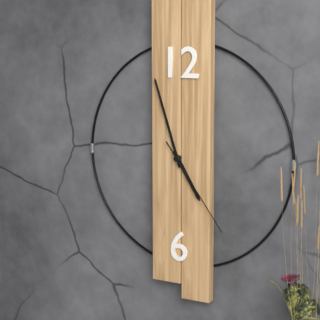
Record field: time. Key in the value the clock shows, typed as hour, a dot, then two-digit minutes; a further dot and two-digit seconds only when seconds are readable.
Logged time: 4.57.24
